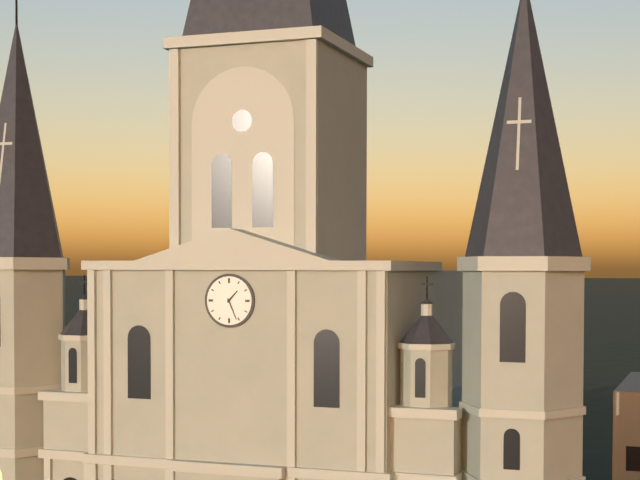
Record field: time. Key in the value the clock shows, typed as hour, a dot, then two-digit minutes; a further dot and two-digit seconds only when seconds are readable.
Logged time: 1.26
